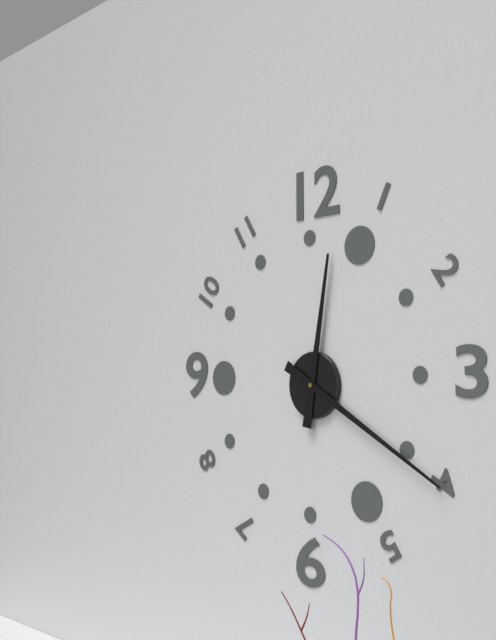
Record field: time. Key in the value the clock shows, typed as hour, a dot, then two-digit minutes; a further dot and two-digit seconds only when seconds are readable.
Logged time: 12.20
